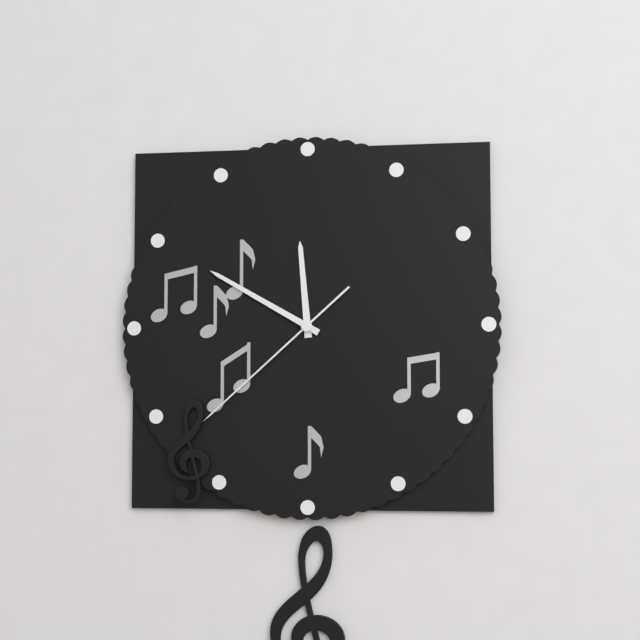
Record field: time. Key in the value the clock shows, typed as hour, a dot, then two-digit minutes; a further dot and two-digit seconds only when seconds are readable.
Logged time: 11.50.38
